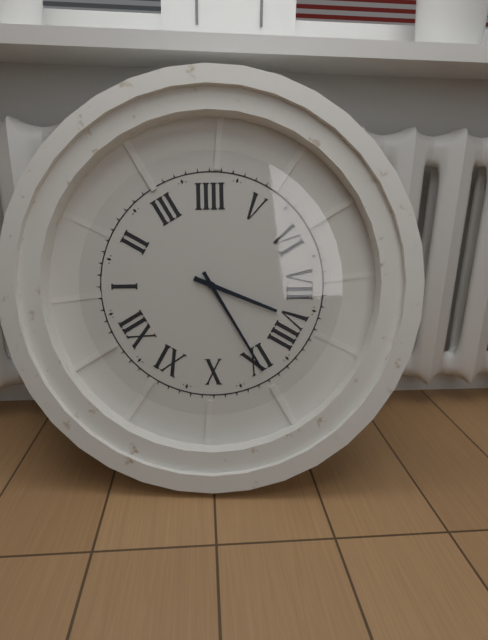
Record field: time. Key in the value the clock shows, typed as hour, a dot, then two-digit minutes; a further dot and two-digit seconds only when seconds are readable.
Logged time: 7.45
